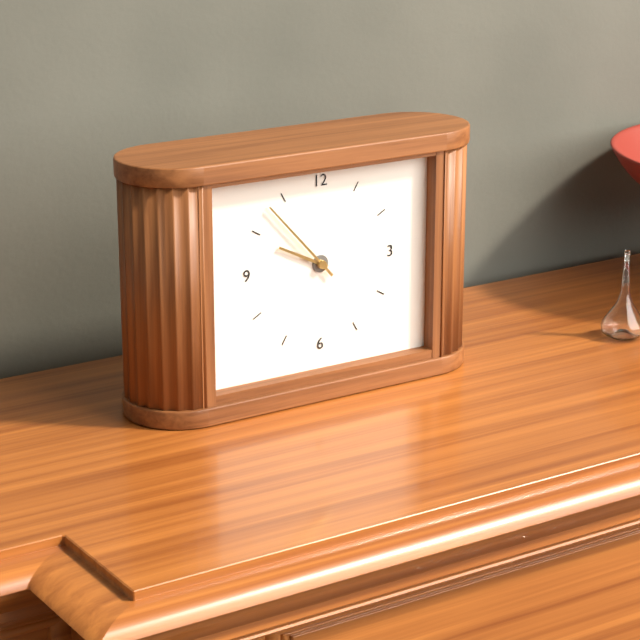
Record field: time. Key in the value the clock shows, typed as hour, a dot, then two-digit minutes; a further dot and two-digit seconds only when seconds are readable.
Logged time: 9.53
